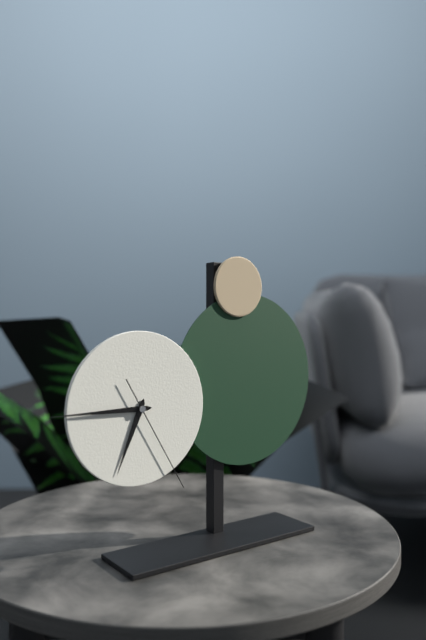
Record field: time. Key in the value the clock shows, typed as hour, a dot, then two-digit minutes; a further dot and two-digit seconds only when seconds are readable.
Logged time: 6.45.25
